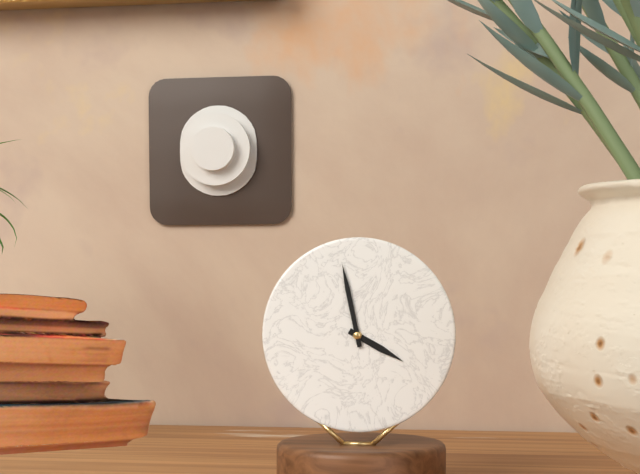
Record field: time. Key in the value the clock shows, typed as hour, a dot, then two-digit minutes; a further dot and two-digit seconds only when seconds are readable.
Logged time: 3.58
